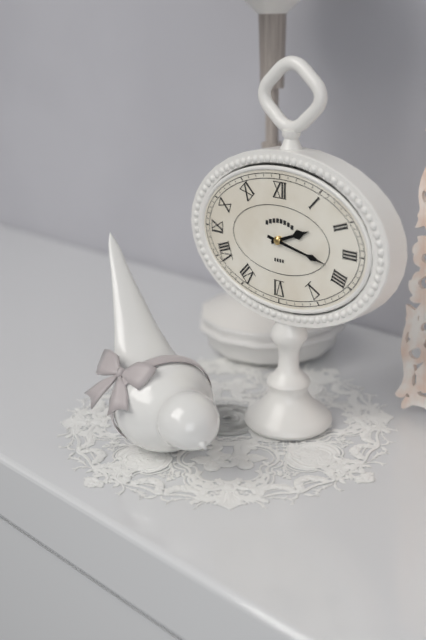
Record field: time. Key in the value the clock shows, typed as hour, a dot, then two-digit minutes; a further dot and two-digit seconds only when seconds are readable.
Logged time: 2.17
